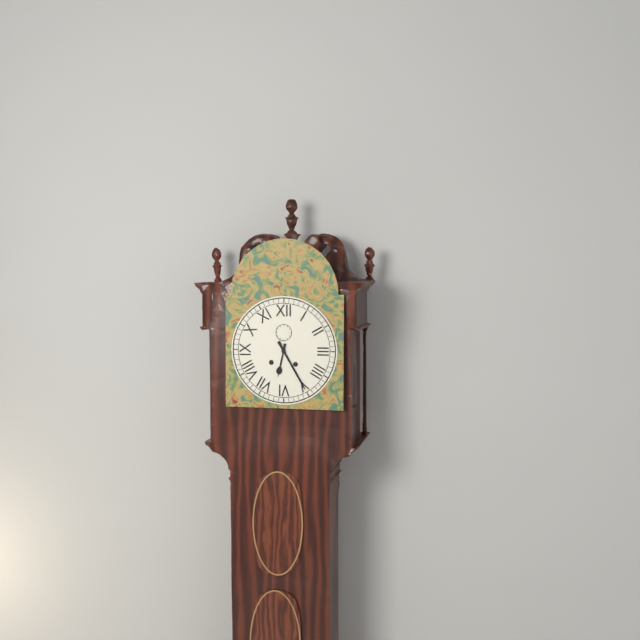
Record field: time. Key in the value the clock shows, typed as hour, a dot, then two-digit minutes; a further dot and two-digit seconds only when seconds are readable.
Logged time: 6.25
